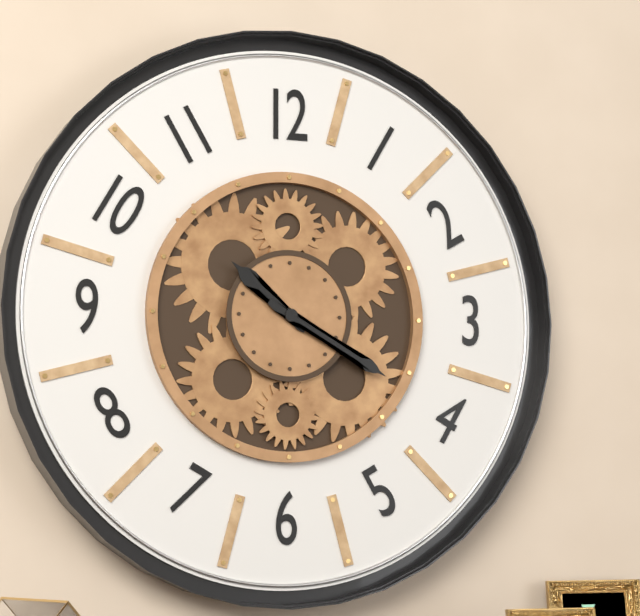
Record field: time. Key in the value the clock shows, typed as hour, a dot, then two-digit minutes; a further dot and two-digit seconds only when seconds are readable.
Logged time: 10.20
